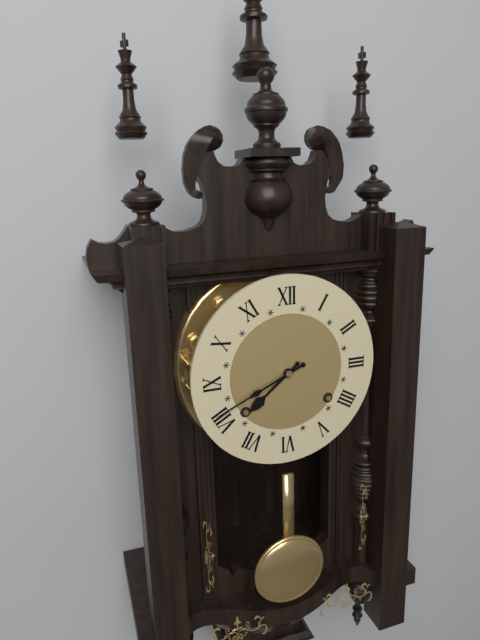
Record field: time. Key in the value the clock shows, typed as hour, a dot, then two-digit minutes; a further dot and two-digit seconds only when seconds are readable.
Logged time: 7.41
